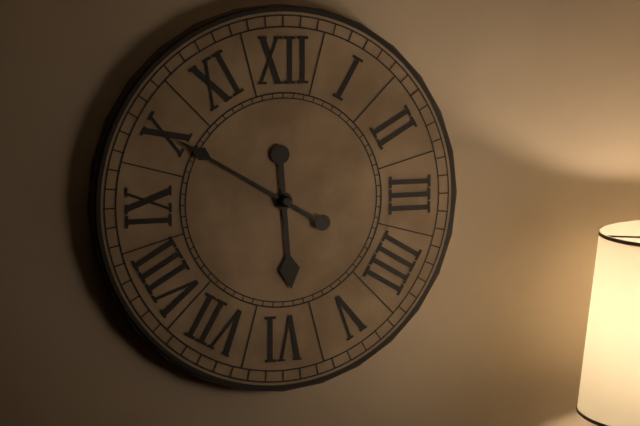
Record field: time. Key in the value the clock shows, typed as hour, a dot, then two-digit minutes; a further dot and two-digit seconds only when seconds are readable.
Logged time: 5.50
